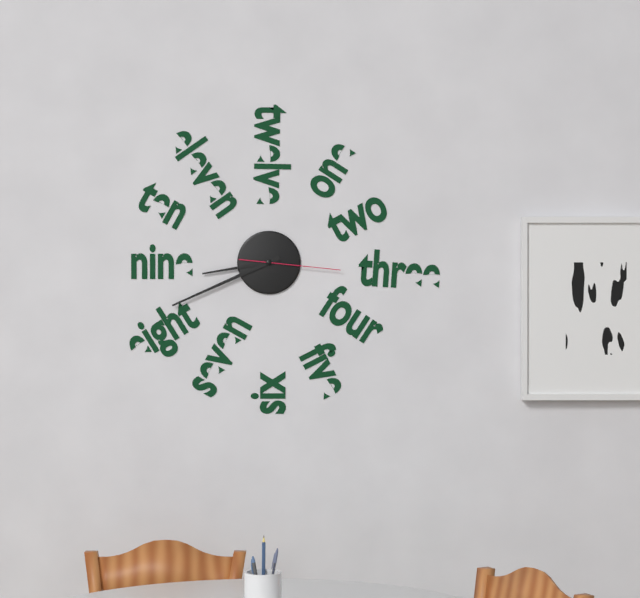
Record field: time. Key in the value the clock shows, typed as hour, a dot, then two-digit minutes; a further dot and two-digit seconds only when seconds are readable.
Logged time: 8.41.16
